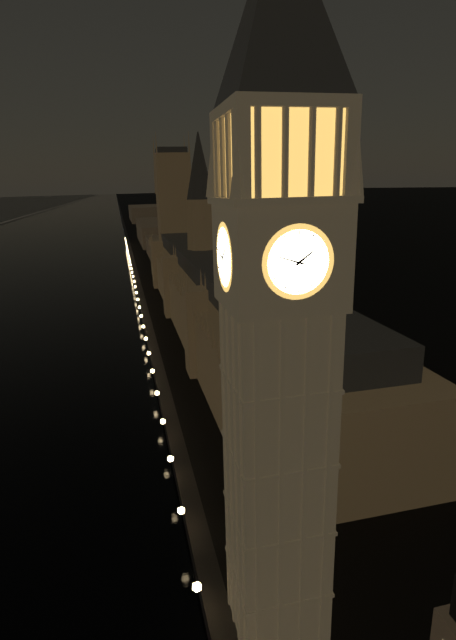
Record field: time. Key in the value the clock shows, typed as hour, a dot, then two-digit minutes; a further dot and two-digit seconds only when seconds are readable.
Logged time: 1.48
